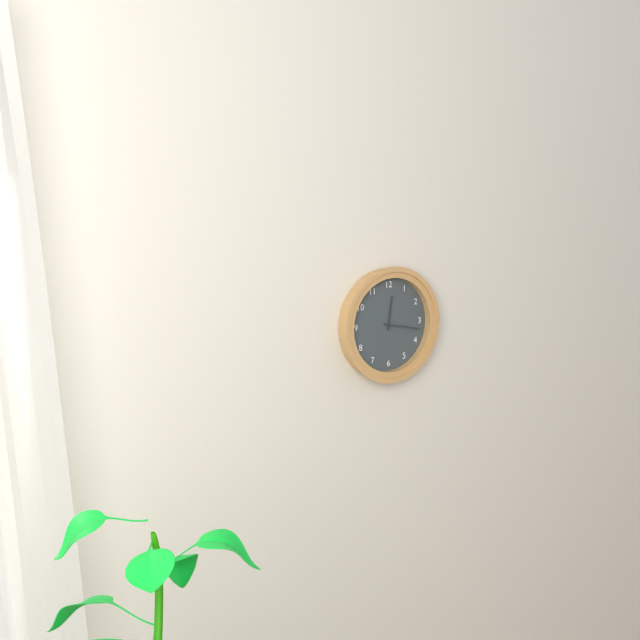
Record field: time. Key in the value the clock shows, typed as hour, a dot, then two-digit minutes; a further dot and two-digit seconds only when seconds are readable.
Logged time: 12.17
